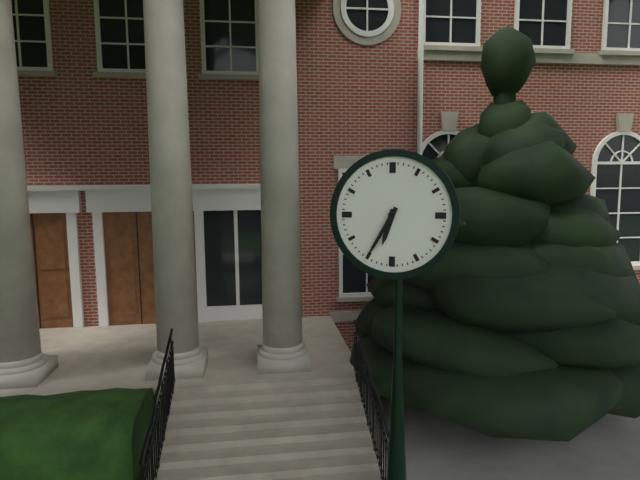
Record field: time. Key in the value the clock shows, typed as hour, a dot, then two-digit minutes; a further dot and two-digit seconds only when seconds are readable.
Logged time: 6.35
